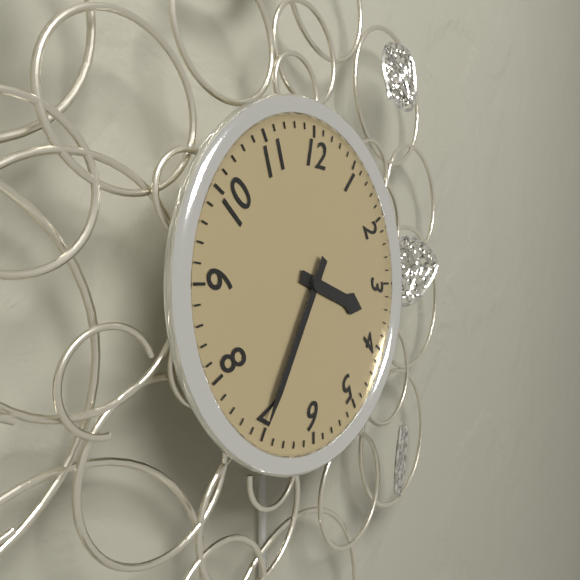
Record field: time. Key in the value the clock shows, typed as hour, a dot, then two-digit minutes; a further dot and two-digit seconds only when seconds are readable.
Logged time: 3.35
